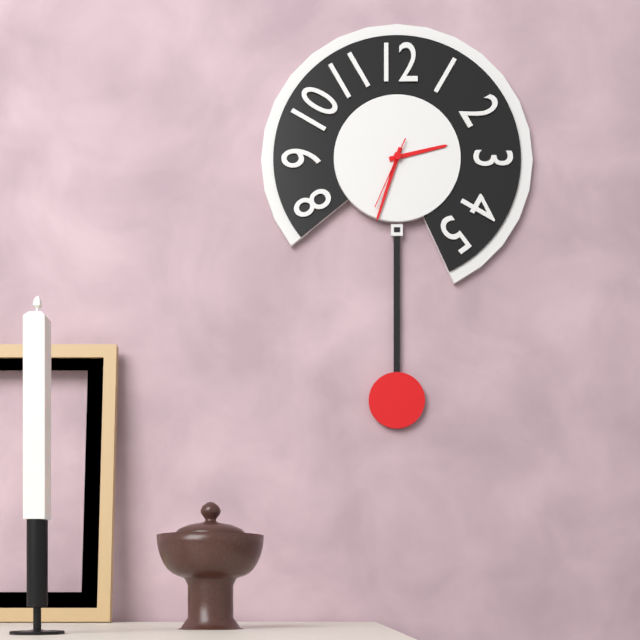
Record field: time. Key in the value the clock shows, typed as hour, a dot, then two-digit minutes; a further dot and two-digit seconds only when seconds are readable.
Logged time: 2.33.34
